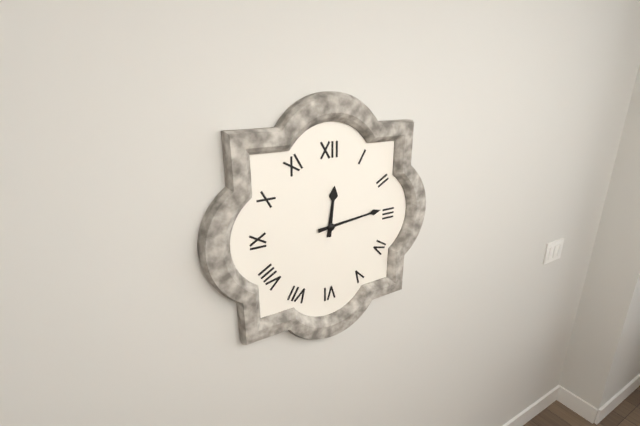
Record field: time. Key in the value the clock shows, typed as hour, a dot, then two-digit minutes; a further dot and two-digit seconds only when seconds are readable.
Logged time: 12.14
